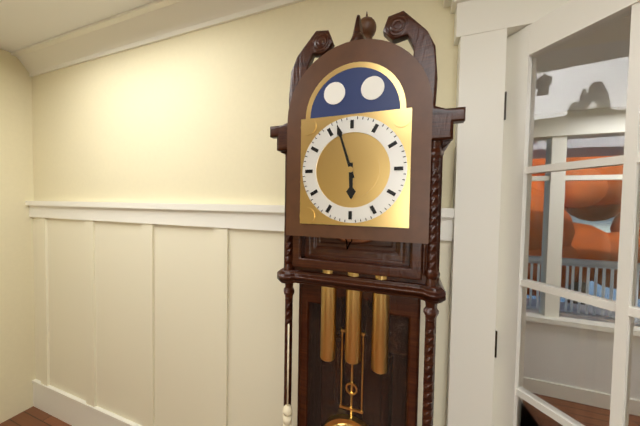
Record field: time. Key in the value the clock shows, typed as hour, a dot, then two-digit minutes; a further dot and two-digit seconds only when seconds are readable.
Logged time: 5.57
